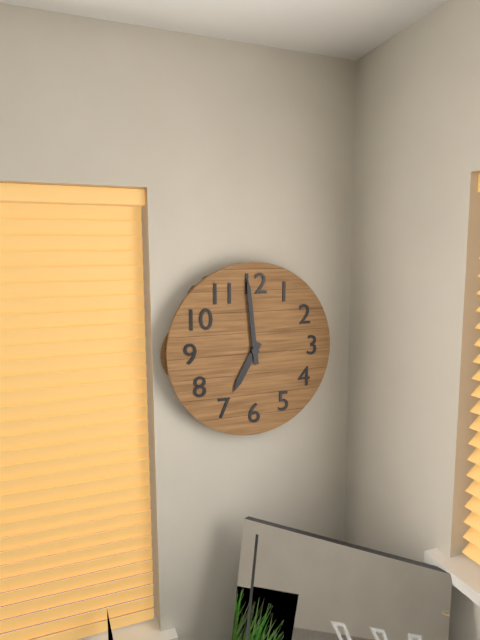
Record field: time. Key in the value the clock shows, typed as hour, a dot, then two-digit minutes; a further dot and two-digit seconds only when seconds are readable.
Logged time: 6.59
